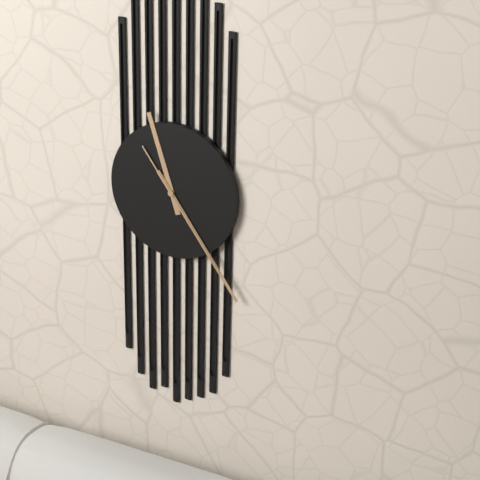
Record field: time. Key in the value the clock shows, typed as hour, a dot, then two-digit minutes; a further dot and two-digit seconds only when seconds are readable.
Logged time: 11.24.24
